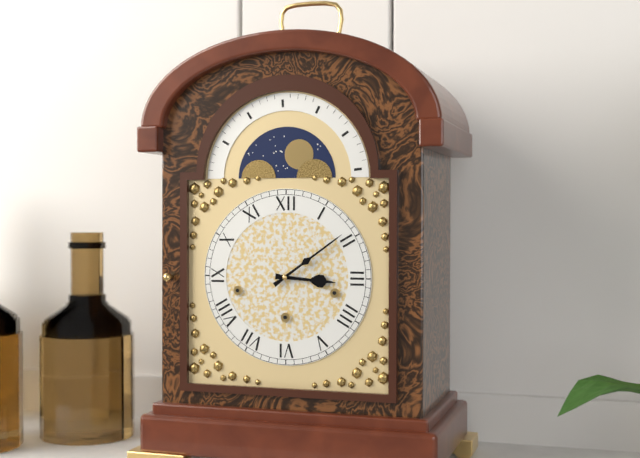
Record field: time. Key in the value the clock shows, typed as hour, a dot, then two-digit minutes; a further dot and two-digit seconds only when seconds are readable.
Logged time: 3.09
